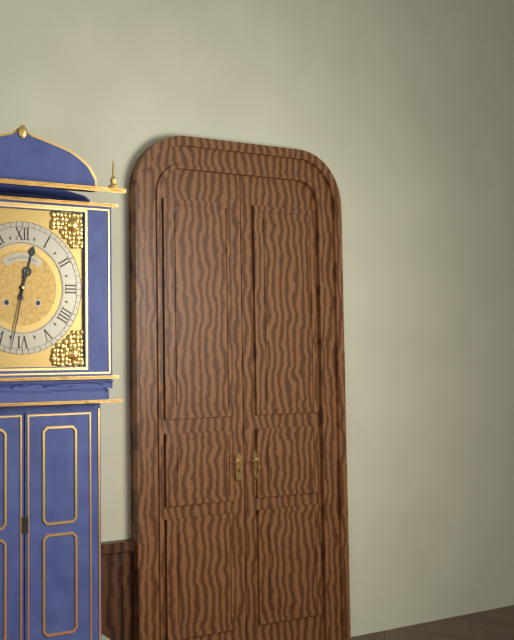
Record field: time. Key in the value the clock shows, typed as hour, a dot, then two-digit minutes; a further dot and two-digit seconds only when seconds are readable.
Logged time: 12.32
